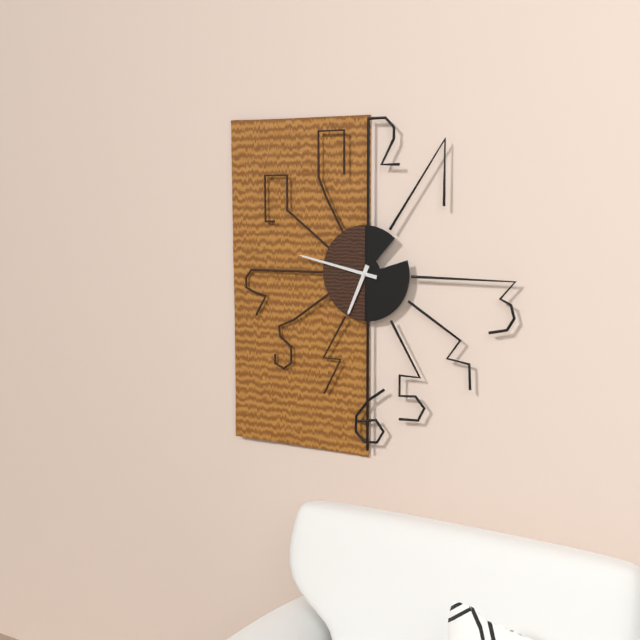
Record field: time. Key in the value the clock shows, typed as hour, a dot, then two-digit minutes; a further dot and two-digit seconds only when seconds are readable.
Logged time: 6.47
